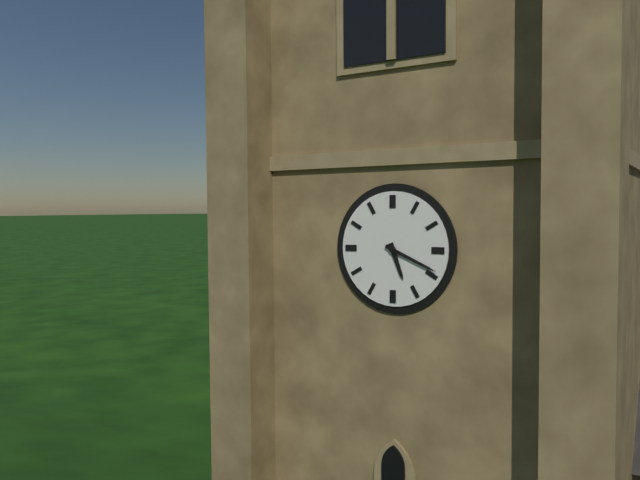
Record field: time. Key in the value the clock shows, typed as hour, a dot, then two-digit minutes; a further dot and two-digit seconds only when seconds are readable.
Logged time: 5.19
